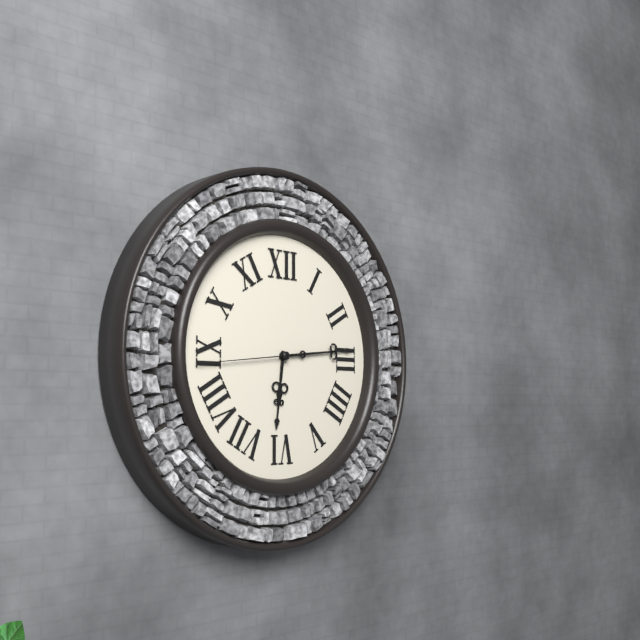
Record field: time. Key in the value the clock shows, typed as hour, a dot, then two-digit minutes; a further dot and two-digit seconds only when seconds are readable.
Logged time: 6.14.44
